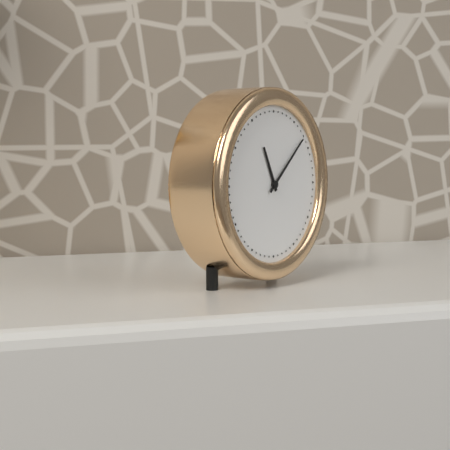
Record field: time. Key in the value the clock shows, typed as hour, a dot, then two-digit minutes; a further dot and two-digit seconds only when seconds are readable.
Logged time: 11.08
